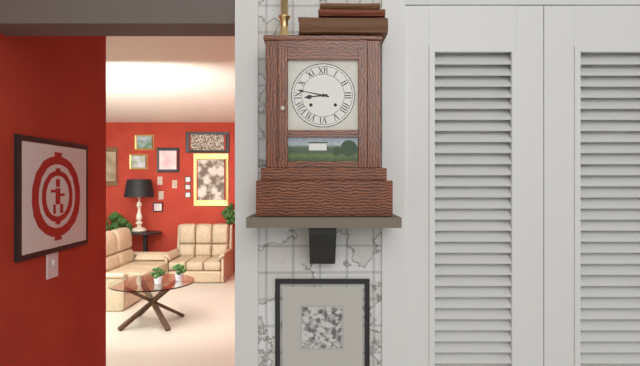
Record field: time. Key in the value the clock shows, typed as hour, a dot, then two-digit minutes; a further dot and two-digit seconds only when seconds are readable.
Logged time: 8.47
